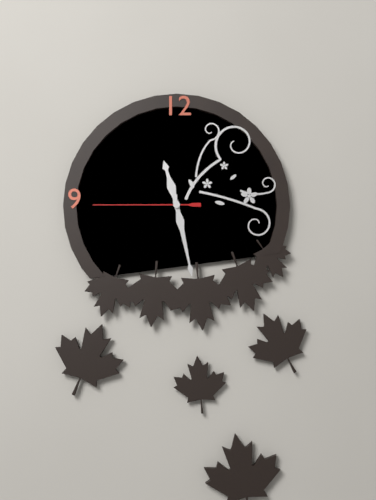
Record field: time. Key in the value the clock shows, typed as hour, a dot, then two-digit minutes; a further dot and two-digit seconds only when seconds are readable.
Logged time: 11.28.45
